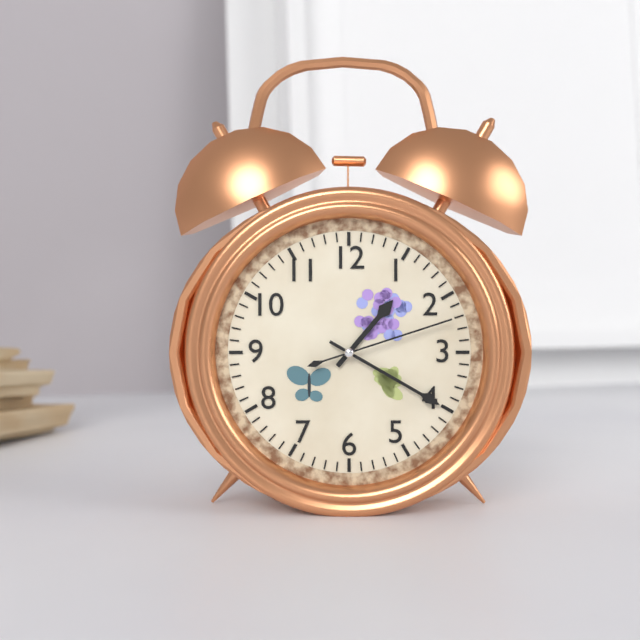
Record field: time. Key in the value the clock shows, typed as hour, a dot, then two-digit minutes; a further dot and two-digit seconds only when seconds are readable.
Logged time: 1.20.12
